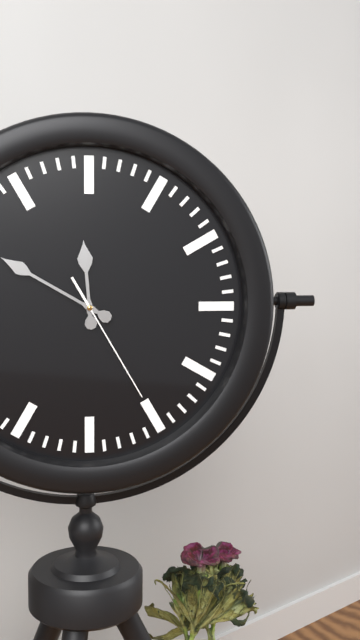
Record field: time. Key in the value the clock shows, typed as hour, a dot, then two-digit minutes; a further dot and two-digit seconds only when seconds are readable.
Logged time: 11.50.25
